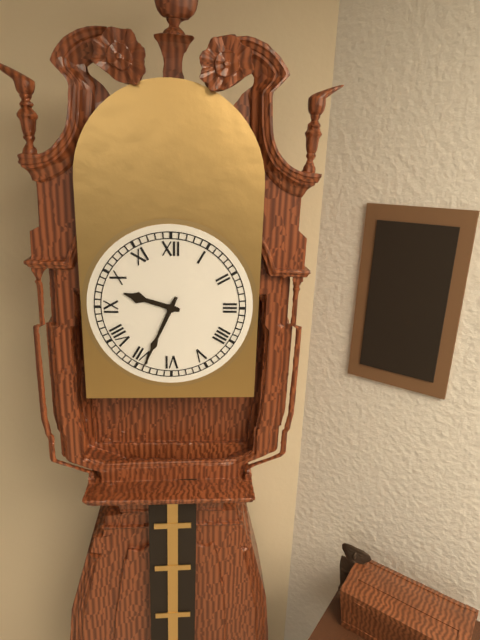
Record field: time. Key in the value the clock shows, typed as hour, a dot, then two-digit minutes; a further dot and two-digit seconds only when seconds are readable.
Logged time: 9.34
